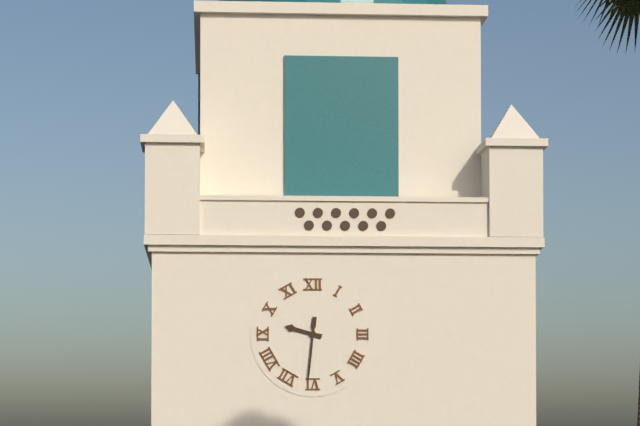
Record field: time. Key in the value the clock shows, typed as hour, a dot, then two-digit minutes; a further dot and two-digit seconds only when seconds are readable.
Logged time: 9.31
